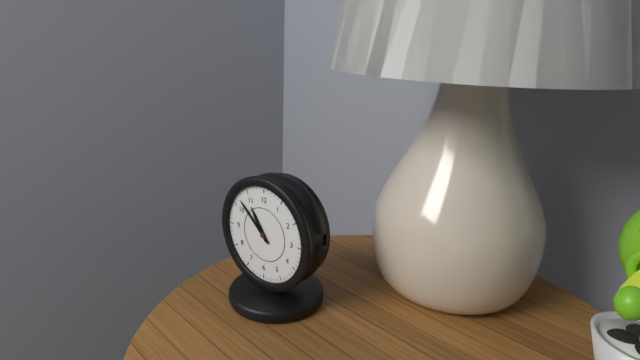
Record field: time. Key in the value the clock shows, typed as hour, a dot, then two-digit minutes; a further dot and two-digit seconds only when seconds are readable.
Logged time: 10.52
